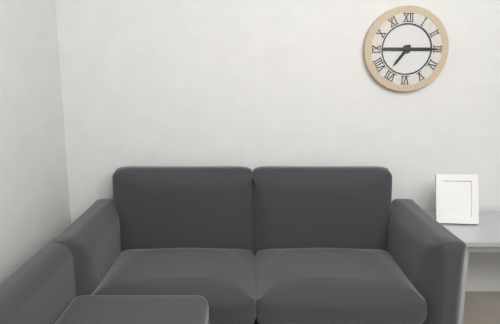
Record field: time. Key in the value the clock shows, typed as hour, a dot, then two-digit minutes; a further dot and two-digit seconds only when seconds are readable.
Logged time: 7.15
